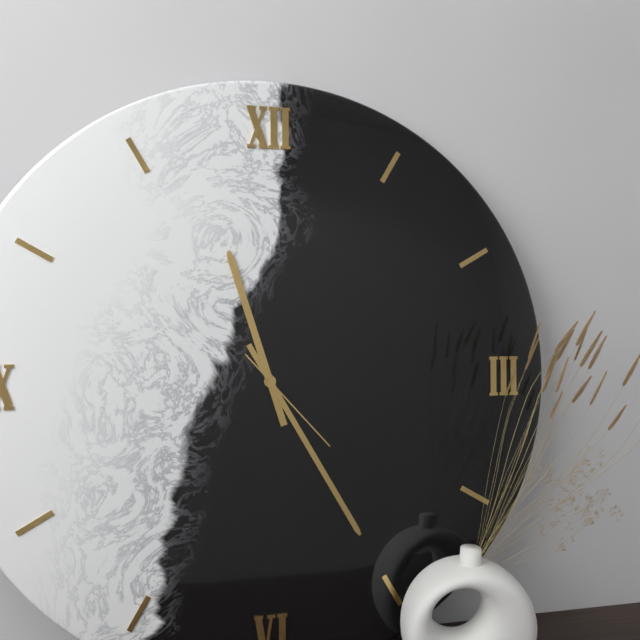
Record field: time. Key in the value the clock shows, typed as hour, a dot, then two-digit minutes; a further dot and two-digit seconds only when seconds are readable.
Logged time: 11.25.23
